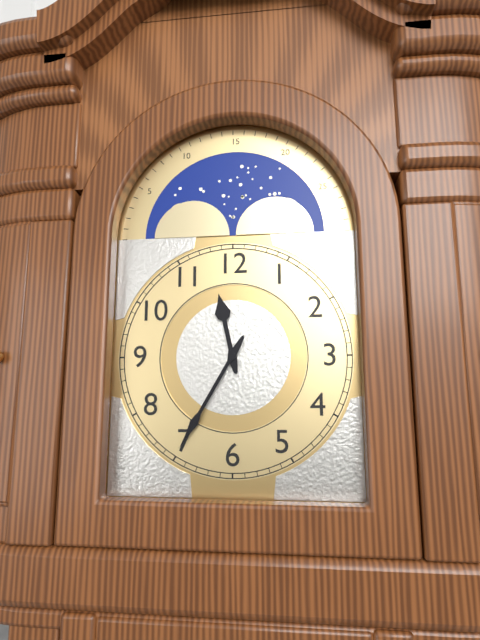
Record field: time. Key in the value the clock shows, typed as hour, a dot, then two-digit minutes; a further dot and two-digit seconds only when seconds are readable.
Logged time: 11.35
